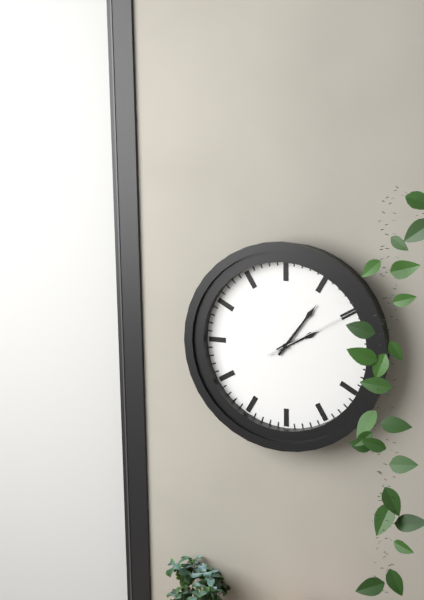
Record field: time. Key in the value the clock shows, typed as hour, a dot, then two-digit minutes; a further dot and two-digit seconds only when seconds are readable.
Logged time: 2.06.10
